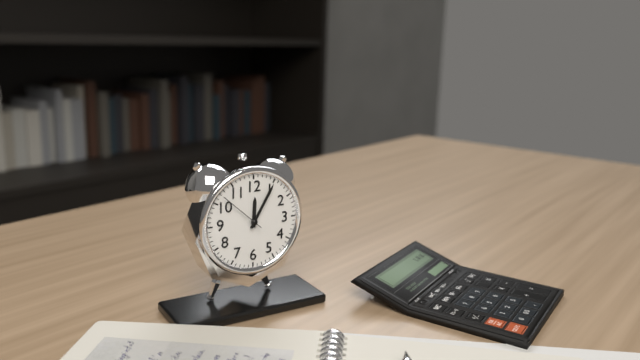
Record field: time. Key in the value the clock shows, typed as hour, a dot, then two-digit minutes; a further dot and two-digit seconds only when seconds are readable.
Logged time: 12.05
